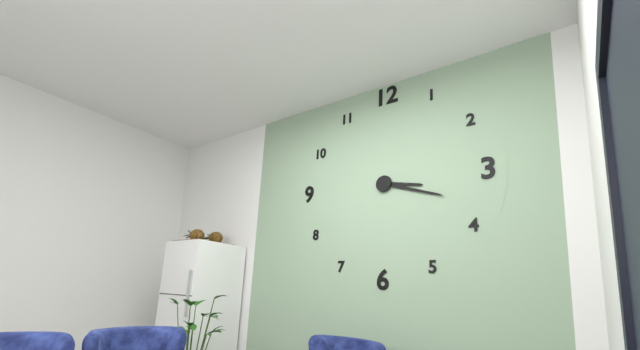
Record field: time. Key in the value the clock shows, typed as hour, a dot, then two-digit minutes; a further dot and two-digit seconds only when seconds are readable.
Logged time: 3.18
